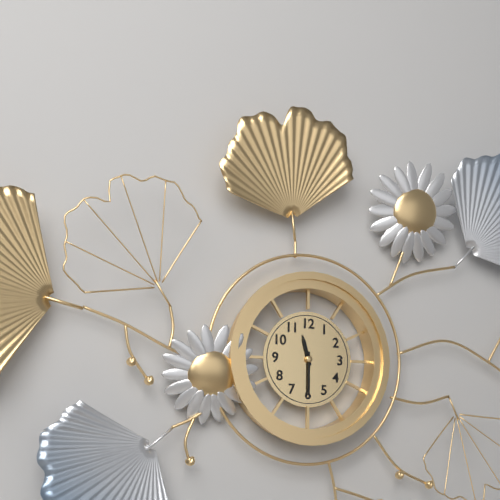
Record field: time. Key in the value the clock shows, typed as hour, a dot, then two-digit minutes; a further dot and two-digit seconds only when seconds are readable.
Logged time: 11.30
